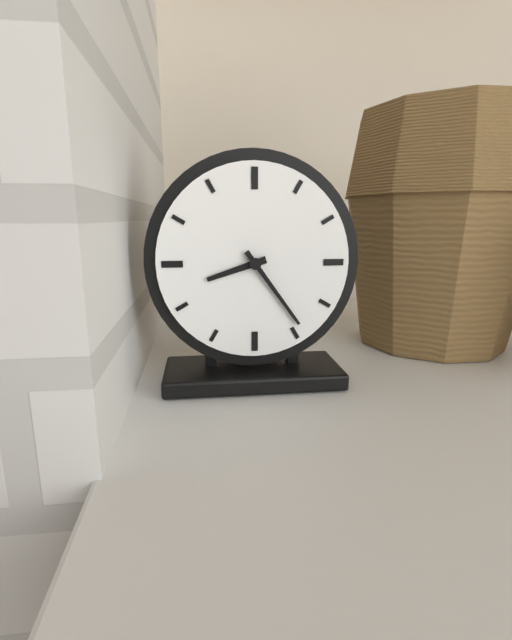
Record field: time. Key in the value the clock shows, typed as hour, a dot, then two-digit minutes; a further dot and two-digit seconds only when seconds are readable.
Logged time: 8.24
